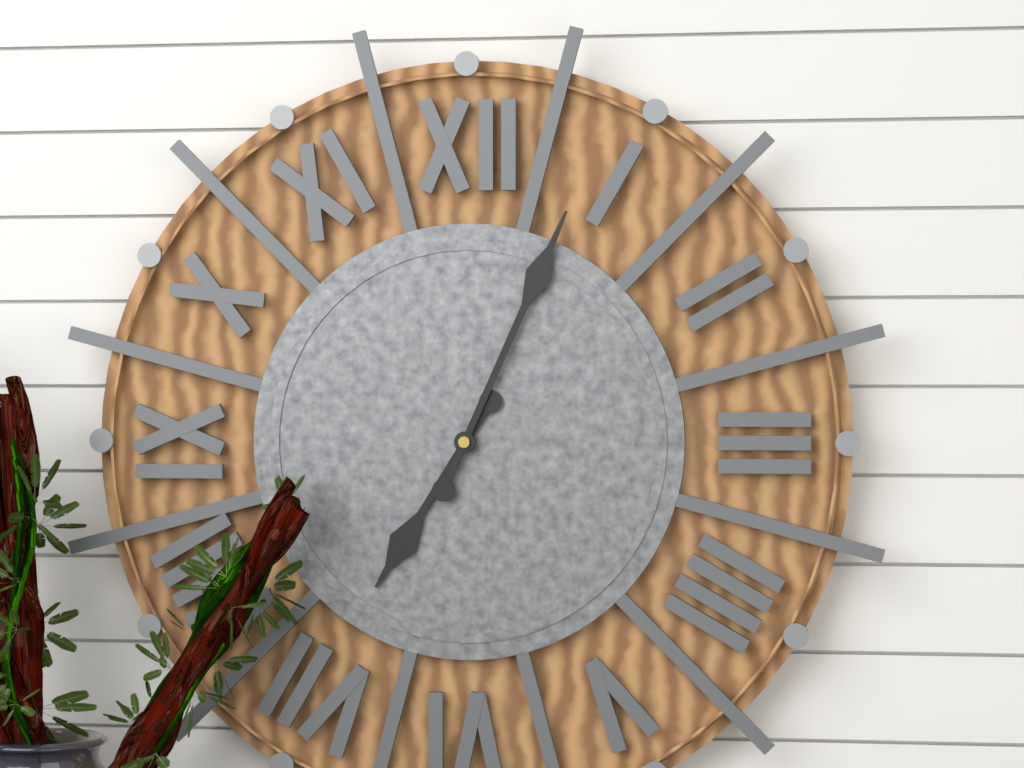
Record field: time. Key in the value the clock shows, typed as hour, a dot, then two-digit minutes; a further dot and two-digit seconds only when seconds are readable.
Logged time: 7.04
